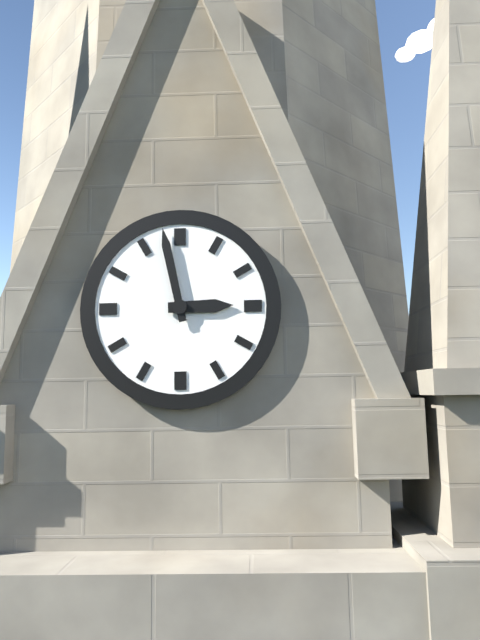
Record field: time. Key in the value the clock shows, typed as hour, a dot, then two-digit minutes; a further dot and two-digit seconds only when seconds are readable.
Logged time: 2.58
